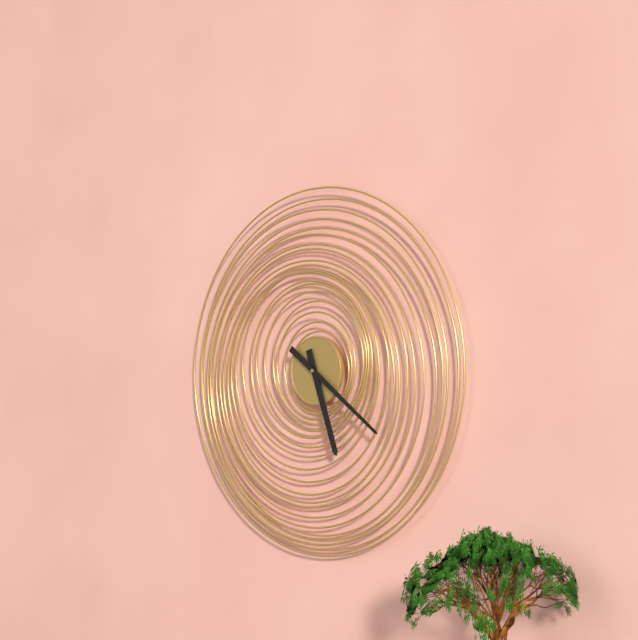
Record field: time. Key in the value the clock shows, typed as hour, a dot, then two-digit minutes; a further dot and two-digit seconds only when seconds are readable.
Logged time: 5.21
